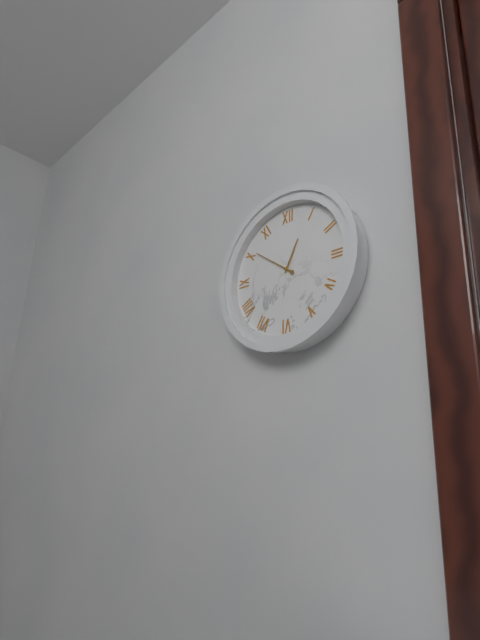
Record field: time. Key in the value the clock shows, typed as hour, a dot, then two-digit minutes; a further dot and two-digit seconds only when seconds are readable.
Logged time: 12.51
